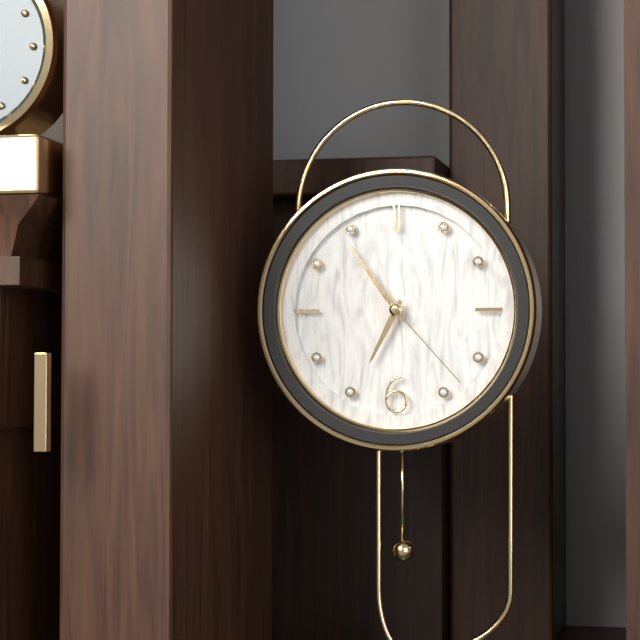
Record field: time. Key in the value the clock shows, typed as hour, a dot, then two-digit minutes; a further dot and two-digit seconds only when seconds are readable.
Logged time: 6.54.23
